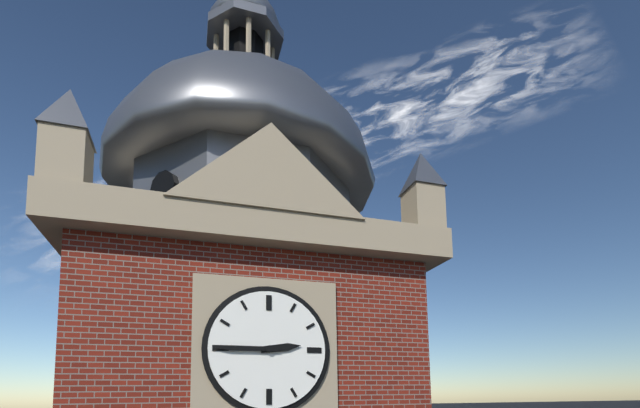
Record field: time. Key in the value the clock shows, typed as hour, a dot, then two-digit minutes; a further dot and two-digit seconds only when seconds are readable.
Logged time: 2.45
